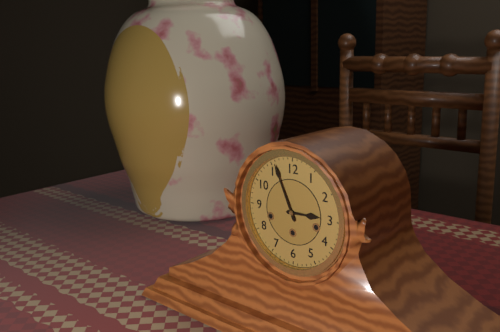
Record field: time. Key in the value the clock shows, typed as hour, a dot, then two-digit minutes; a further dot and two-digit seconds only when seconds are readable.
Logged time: 2.56
